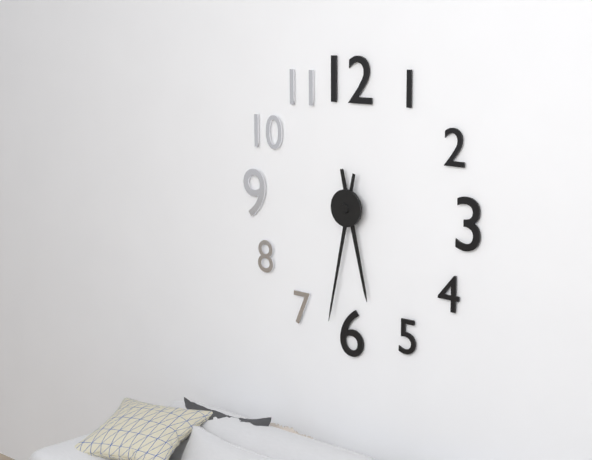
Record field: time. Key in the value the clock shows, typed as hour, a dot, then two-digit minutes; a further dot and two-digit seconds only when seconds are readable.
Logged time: 5.32
